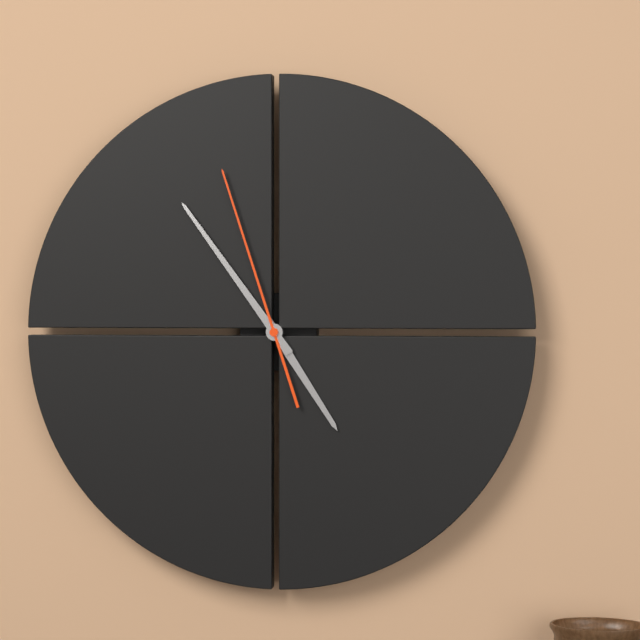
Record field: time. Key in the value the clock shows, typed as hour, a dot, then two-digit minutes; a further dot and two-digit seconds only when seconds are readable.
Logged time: 4.54.57
